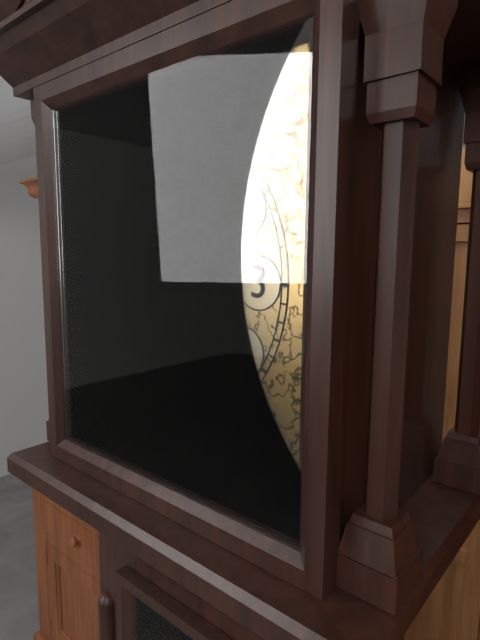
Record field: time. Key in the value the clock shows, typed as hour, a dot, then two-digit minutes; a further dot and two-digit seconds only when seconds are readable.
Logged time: 3.04
